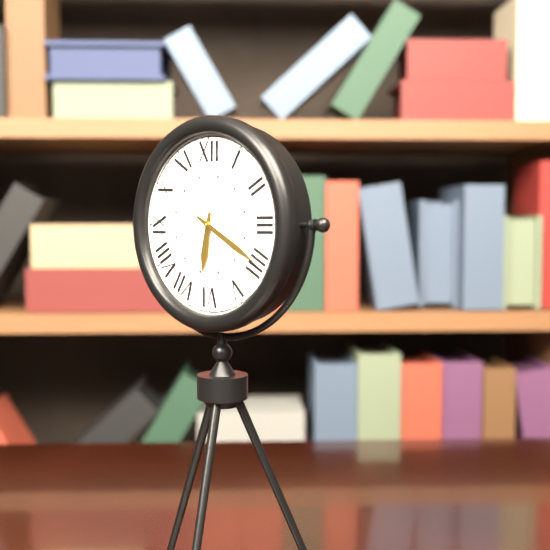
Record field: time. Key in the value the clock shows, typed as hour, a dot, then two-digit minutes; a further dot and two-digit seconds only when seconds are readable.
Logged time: 6.20
